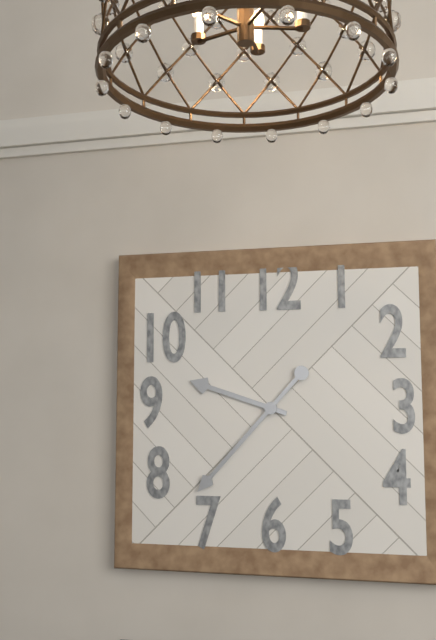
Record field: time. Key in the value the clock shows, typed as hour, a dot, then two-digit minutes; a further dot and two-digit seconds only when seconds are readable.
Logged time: 9.37
